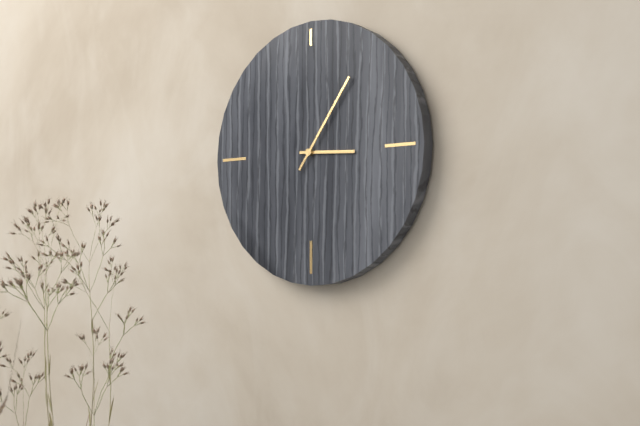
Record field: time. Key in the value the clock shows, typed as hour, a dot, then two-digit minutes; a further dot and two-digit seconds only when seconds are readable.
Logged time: 3.06
